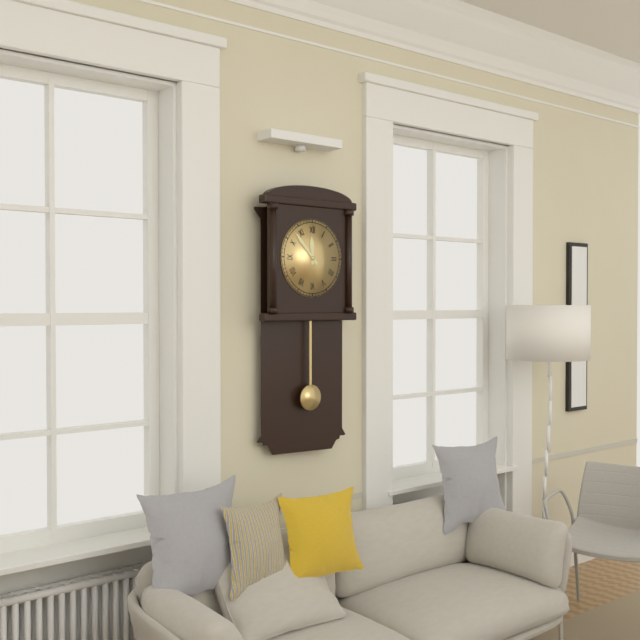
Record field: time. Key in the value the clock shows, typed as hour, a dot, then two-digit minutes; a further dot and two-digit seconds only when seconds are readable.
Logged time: 11.53
